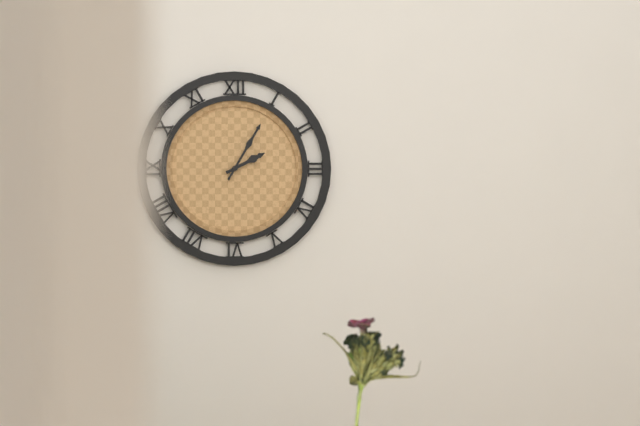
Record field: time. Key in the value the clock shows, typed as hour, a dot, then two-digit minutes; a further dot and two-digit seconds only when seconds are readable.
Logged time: 2.05
